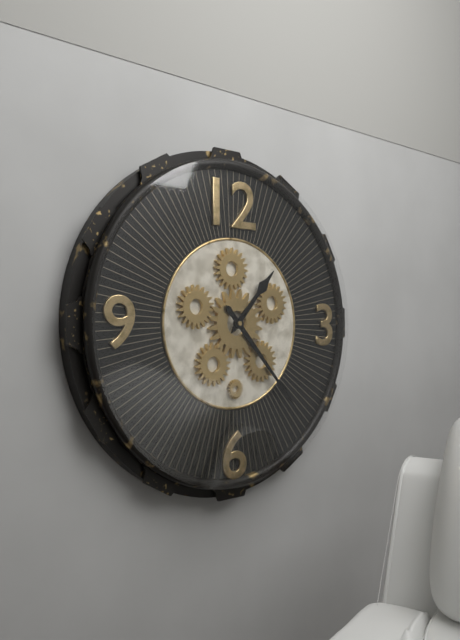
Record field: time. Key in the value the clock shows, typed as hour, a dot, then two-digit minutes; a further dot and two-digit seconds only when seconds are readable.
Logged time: 1.23
